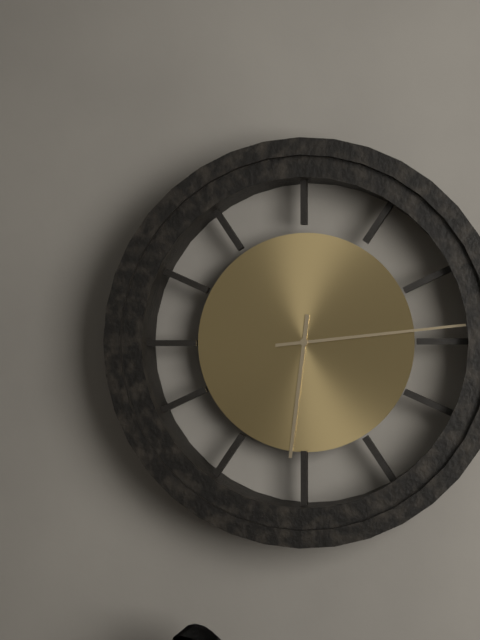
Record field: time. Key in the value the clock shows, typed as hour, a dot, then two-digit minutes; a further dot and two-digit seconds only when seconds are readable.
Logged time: 6.14
